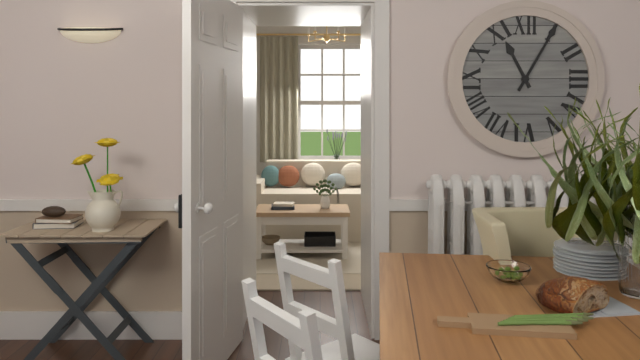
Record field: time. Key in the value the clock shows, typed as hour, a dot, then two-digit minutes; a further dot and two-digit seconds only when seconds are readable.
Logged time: 11.05
